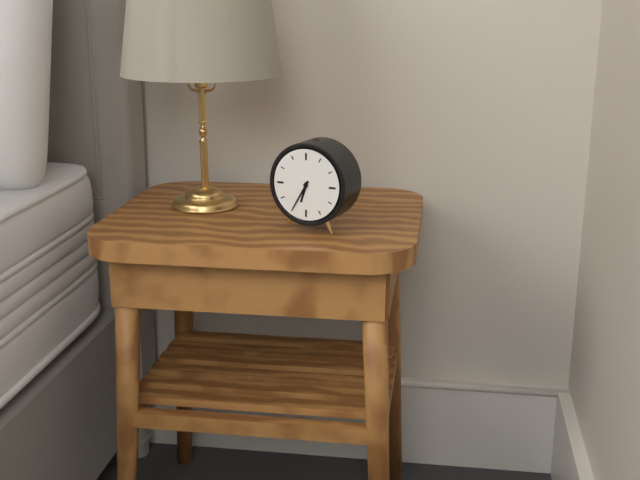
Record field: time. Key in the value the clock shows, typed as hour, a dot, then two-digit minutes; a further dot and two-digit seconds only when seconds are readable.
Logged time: 6.35
